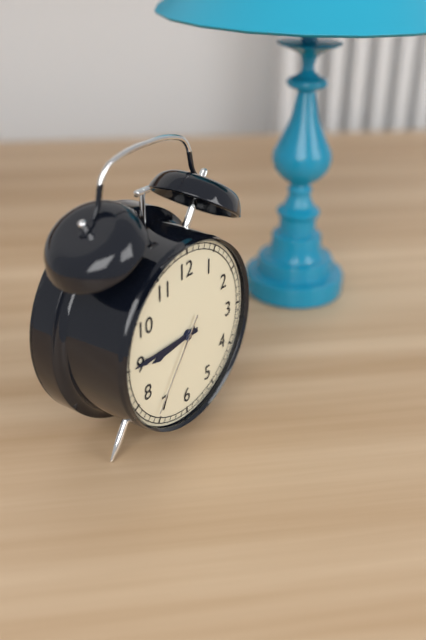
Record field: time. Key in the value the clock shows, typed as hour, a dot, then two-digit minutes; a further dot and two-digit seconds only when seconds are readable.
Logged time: 8.45.36
